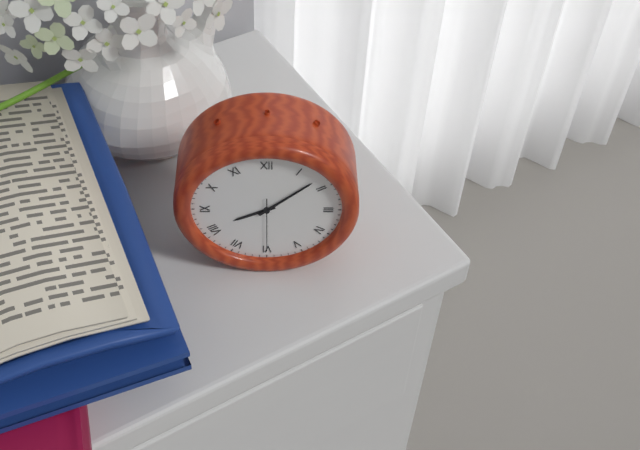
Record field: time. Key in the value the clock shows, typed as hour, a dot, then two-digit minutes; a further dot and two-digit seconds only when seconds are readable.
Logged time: 8.08.30
